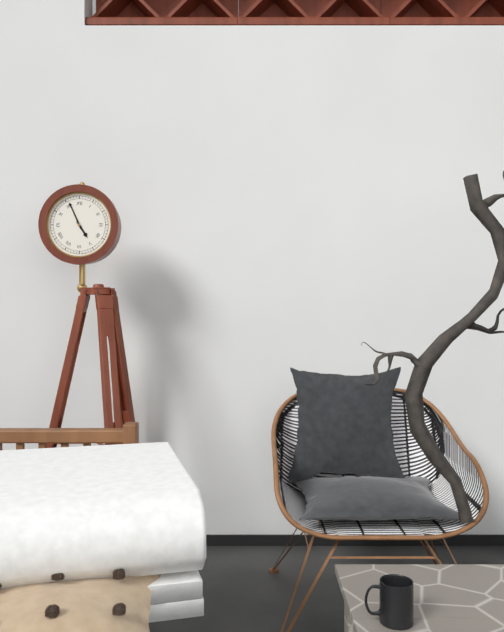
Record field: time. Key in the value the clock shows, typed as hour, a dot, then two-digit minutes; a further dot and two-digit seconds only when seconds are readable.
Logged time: 4.56
